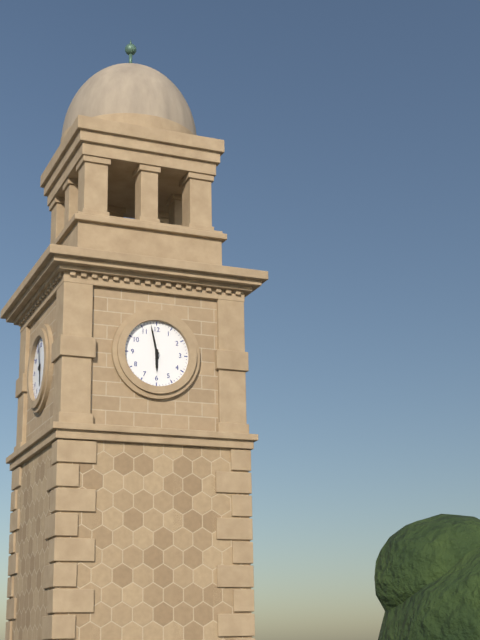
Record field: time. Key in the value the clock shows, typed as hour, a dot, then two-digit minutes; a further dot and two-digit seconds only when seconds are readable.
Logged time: 5.58
